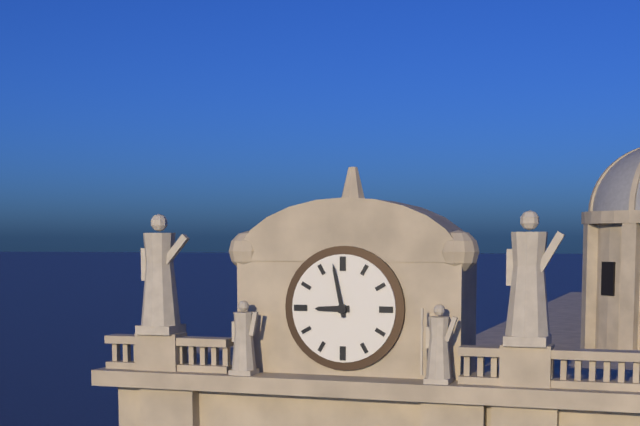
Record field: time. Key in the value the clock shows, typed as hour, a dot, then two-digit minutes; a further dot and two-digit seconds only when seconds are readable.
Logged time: 8.58
